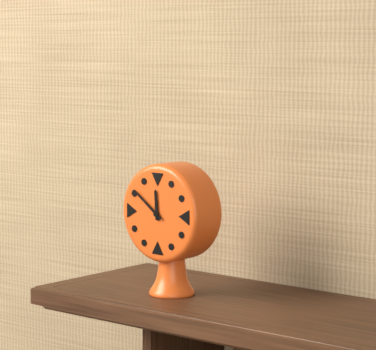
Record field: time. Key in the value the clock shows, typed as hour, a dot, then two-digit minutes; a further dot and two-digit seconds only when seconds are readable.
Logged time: 11.51
